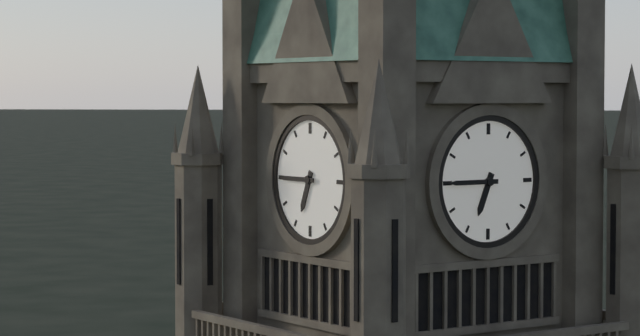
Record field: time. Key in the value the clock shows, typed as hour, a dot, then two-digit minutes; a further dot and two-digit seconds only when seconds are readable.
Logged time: 6.45
